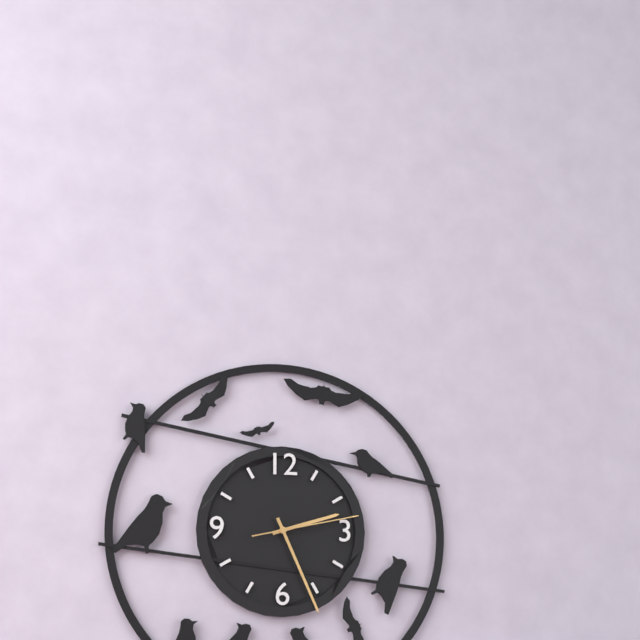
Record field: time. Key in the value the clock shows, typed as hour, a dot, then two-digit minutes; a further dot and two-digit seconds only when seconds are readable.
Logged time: 2.26.13
